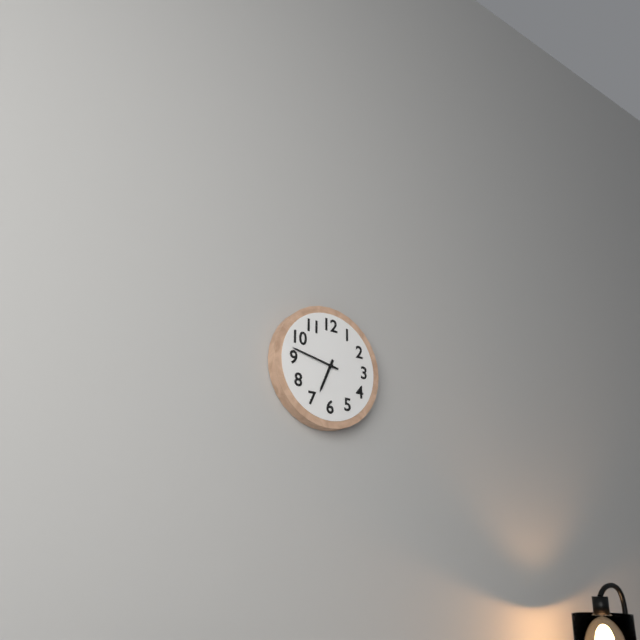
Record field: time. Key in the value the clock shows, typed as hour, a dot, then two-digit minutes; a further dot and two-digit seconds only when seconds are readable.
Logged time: 6.47
